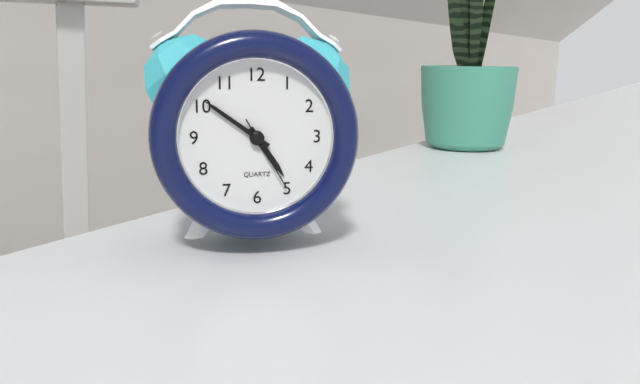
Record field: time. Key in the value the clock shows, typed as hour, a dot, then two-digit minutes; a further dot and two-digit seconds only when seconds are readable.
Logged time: 4.51.25
